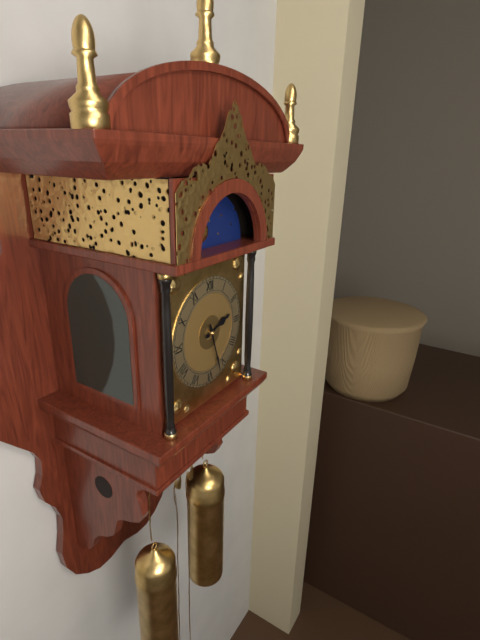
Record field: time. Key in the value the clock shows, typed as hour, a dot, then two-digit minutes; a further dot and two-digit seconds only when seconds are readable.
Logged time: 2.27
